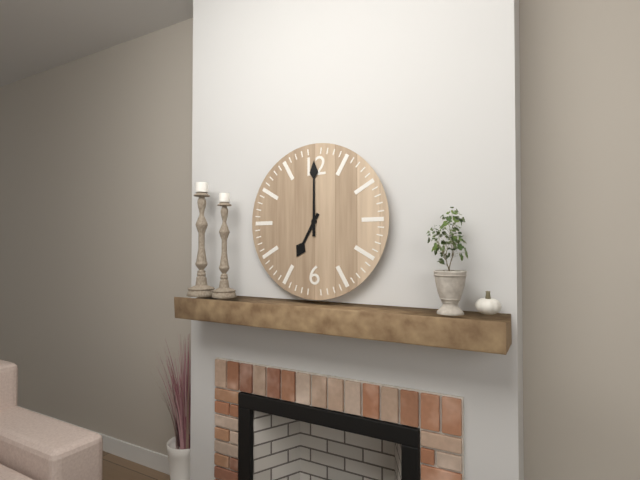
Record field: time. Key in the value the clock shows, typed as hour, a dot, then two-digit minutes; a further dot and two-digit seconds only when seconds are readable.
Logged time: 7.00
